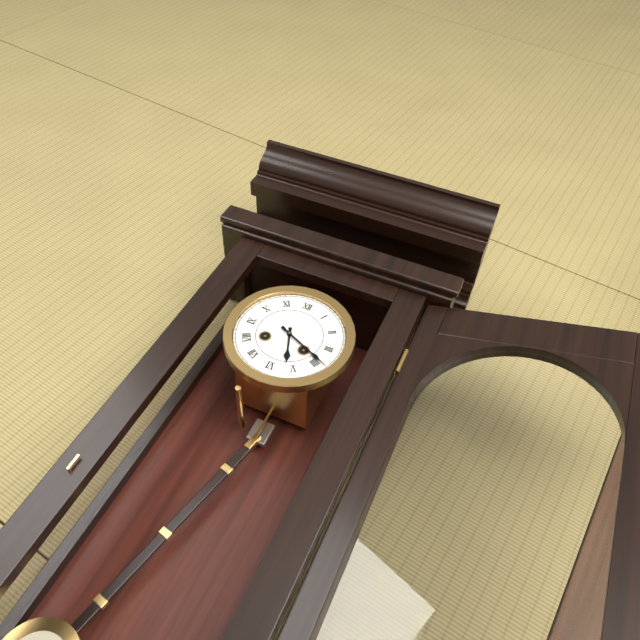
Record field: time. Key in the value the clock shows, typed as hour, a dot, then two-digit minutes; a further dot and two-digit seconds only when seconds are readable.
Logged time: 5.19
